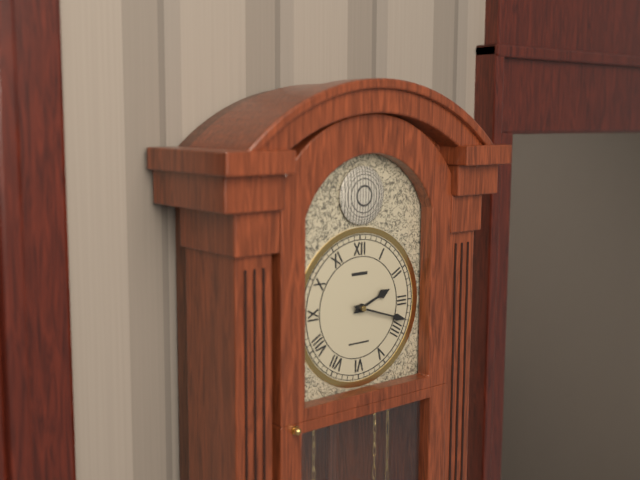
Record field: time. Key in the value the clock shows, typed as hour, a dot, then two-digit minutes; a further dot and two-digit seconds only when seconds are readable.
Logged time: 2.18
